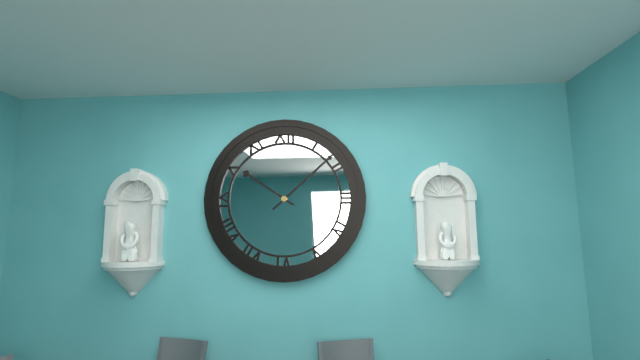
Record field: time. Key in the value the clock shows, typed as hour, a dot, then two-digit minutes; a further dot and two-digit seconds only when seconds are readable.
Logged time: 10.08
